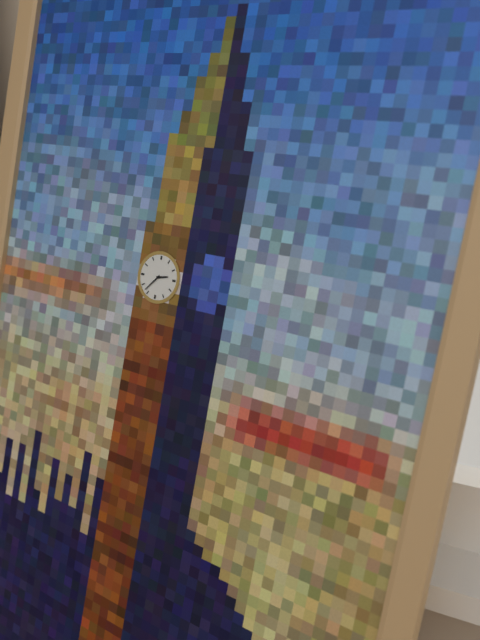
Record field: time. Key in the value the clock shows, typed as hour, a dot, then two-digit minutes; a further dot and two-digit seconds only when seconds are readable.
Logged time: 2.37
